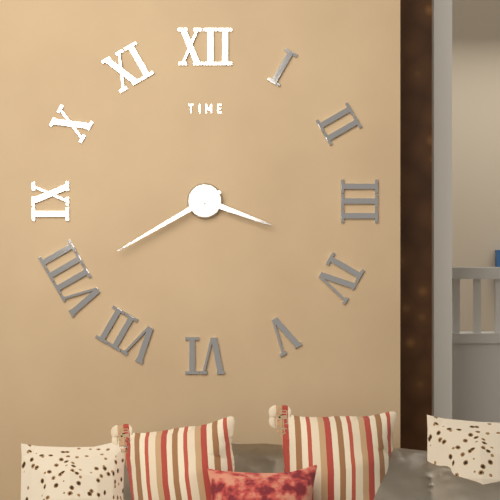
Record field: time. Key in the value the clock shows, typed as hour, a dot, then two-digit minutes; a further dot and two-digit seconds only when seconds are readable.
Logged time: 3.40
